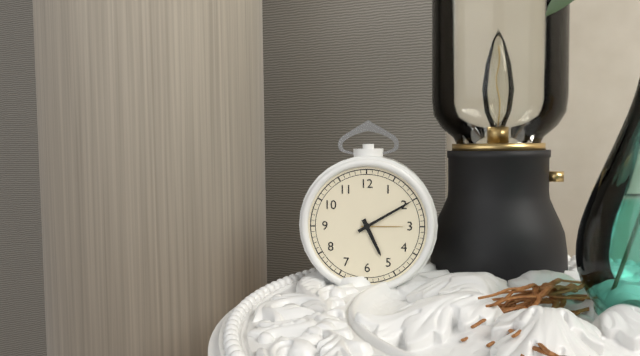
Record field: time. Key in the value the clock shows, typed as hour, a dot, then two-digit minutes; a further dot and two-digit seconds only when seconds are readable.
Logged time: 5.10
